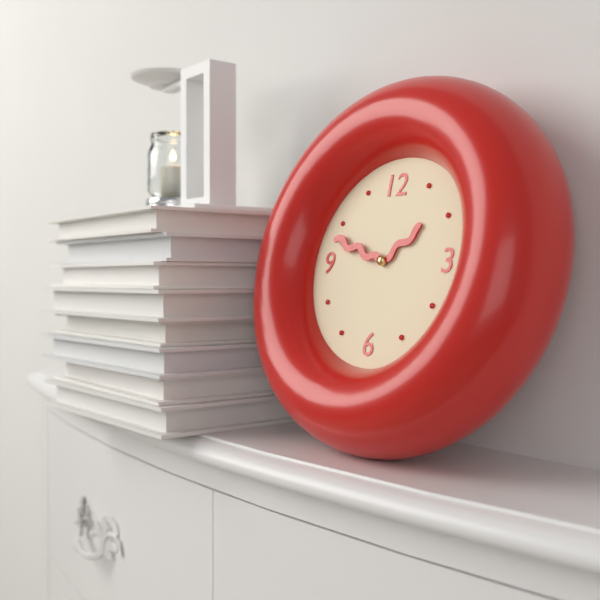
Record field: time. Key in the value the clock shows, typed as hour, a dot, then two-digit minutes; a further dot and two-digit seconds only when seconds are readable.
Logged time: 1.48
